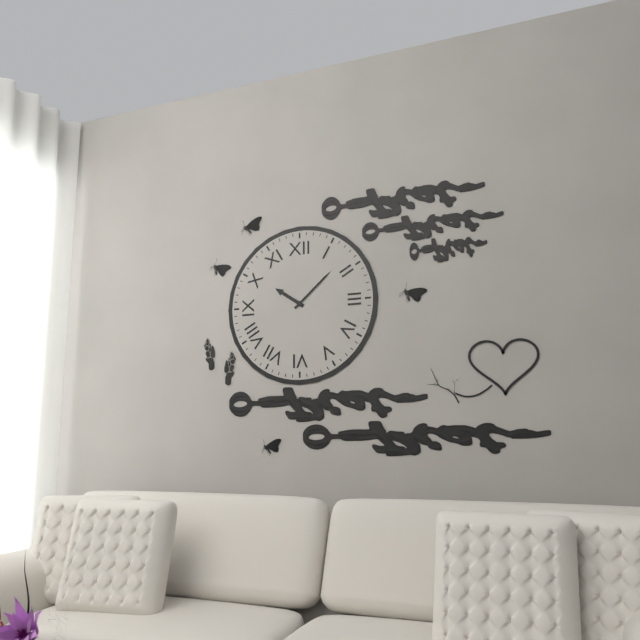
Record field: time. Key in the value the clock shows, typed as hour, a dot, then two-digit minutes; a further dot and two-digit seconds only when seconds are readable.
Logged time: 10.08
